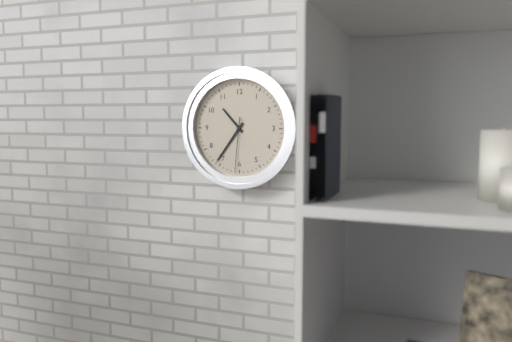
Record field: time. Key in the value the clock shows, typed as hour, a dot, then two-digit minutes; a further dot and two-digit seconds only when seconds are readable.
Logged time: 10.36.31
